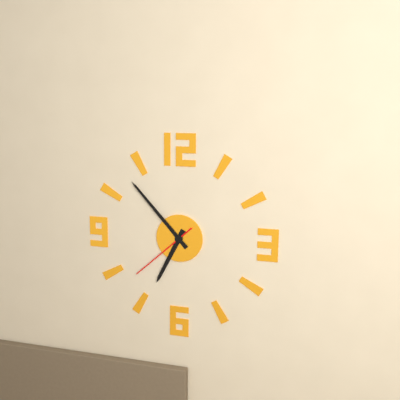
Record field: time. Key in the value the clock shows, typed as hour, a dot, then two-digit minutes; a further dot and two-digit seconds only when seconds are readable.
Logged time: 6.53.38
